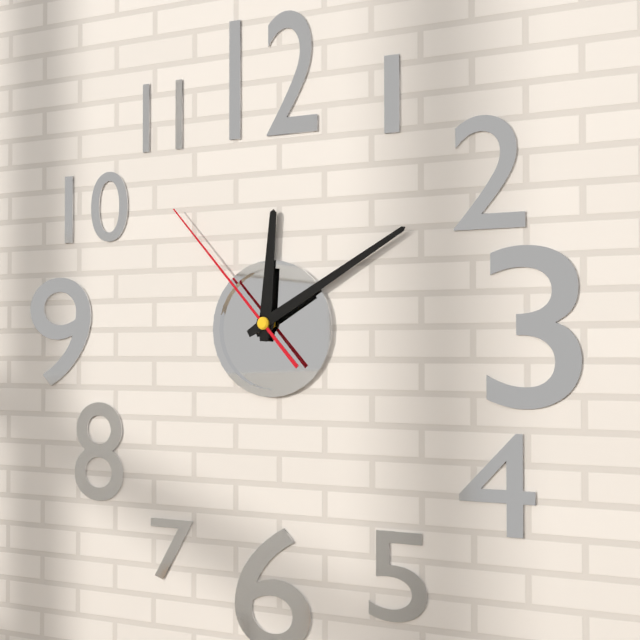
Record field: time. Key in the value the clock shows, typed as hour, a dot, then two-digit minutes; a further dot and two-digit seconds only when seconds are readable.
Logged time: 12.10.53
